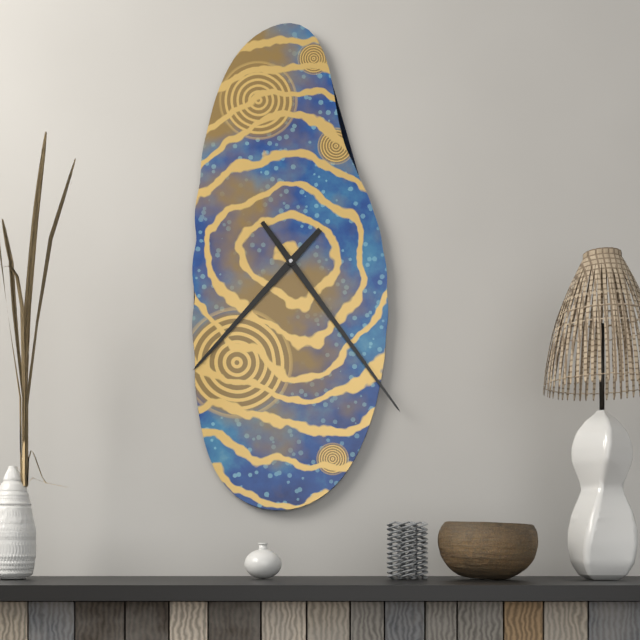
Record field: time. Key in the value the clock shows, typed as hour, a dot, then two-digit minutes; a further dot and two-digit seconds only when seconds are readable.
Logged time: 7.24
